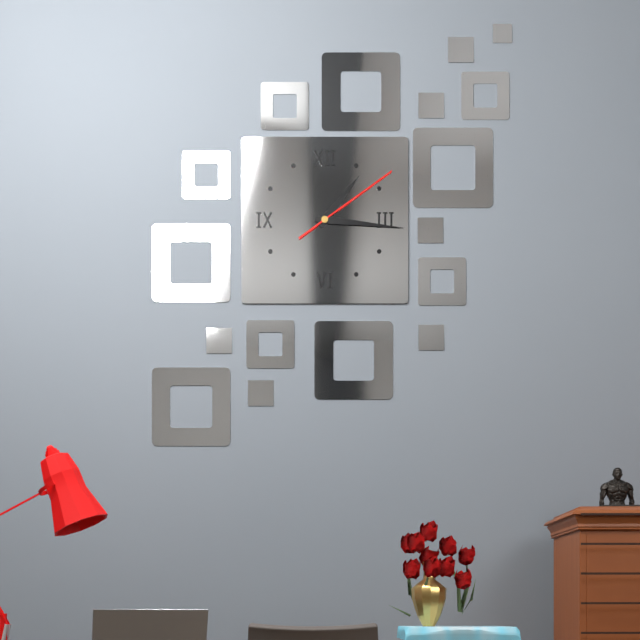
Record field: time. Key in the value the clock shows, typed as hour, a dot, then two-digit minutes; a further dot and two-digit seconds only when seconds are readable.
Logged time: 1.16.09
